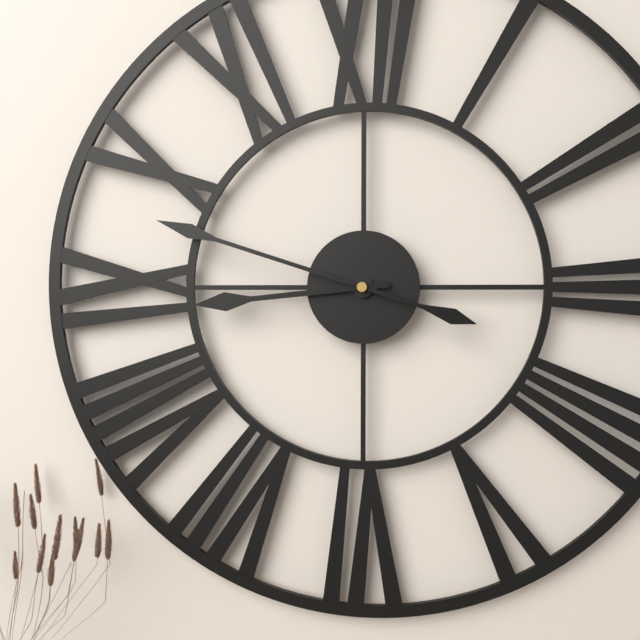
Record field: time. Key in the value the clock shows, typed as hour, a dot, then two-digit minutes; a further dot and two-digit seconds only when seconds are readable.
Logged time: 8.48
